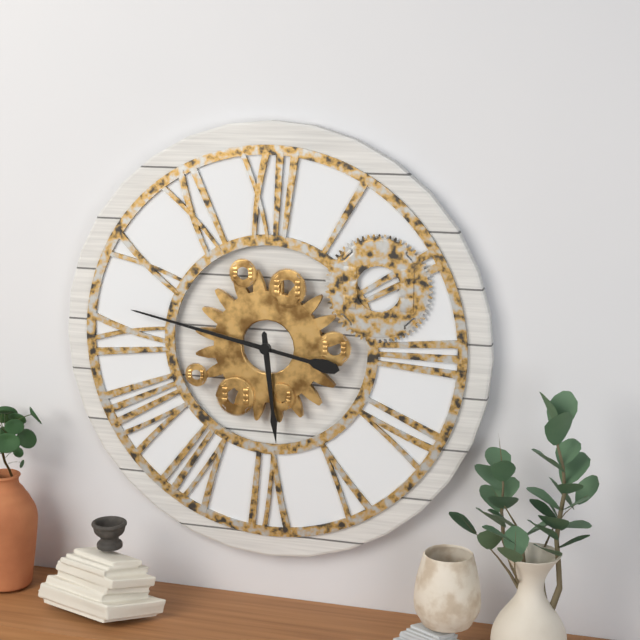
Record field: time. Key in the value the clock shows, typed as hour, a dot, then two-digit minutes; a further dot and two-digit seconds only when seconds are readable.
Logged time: 5.47
